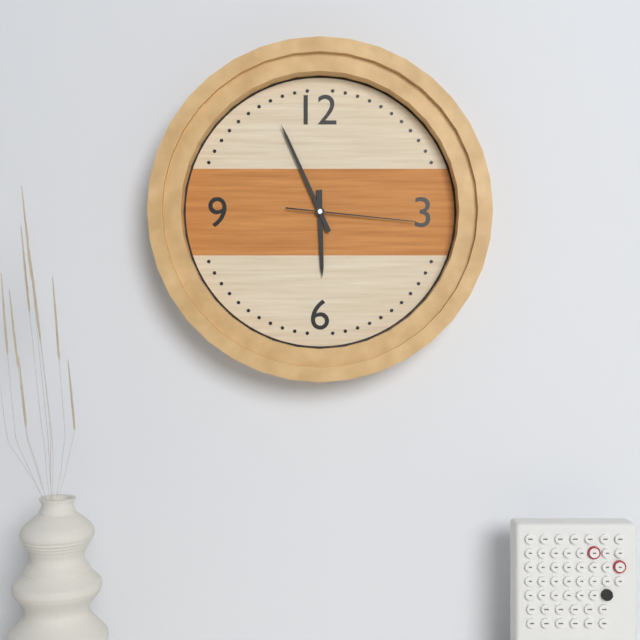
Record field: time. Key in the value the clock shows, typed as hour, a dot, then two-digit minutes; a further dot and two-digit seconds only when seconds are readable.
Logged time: 5.56.16
